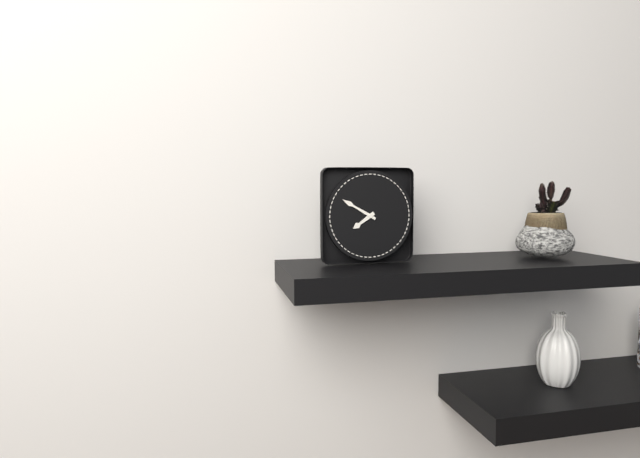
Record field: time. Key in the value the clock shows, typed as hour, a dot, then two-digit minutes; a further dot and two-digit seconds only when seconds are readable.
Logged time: 7.50
